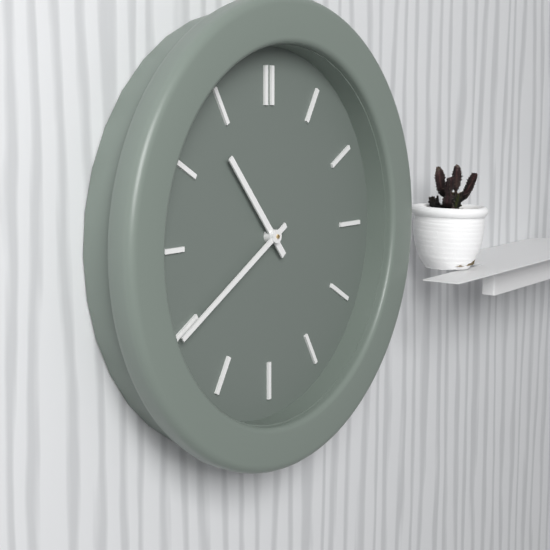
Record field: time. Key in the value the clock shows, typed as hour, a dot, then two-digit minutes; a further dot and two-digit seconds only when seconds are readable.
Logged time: 10.40
